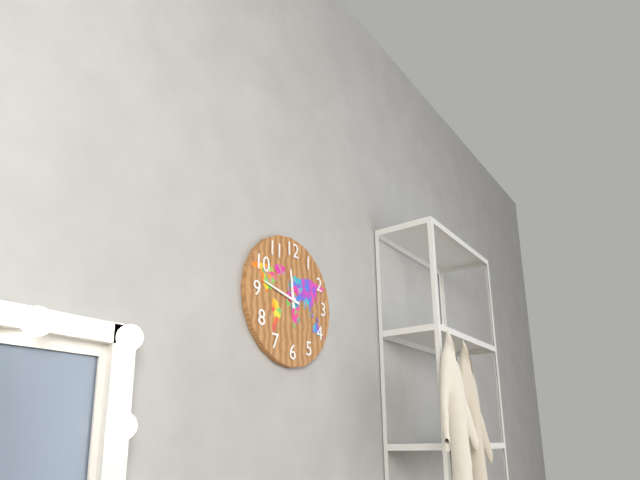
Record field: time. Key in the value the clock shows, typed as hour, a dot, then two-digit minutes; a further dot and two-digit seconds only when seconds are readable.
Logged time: 11.47
